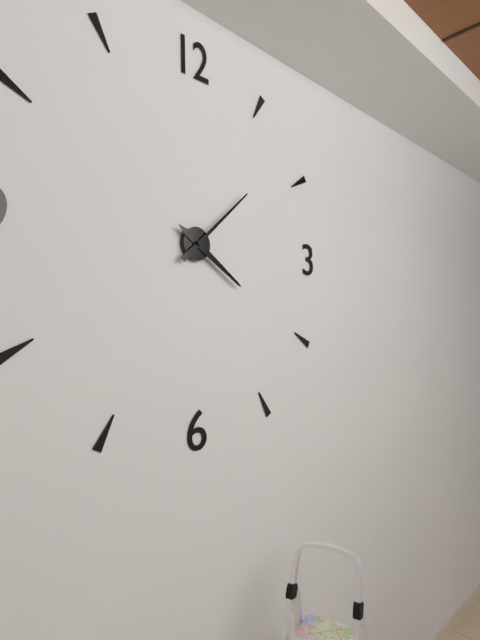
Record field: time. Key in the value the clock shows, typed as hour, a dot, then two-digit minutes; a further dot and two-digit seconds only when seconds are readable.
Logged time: 4.08
